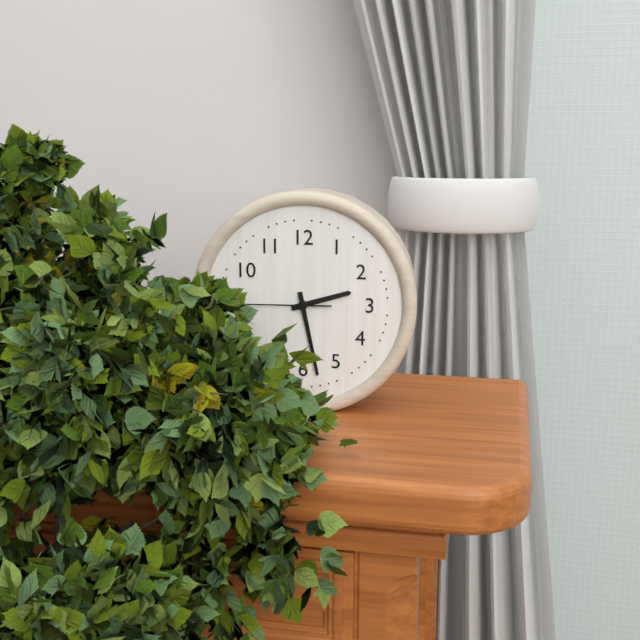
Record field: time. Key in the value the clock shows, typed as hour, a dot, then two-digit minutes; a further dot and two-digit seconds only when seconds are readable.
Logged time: 2.28
